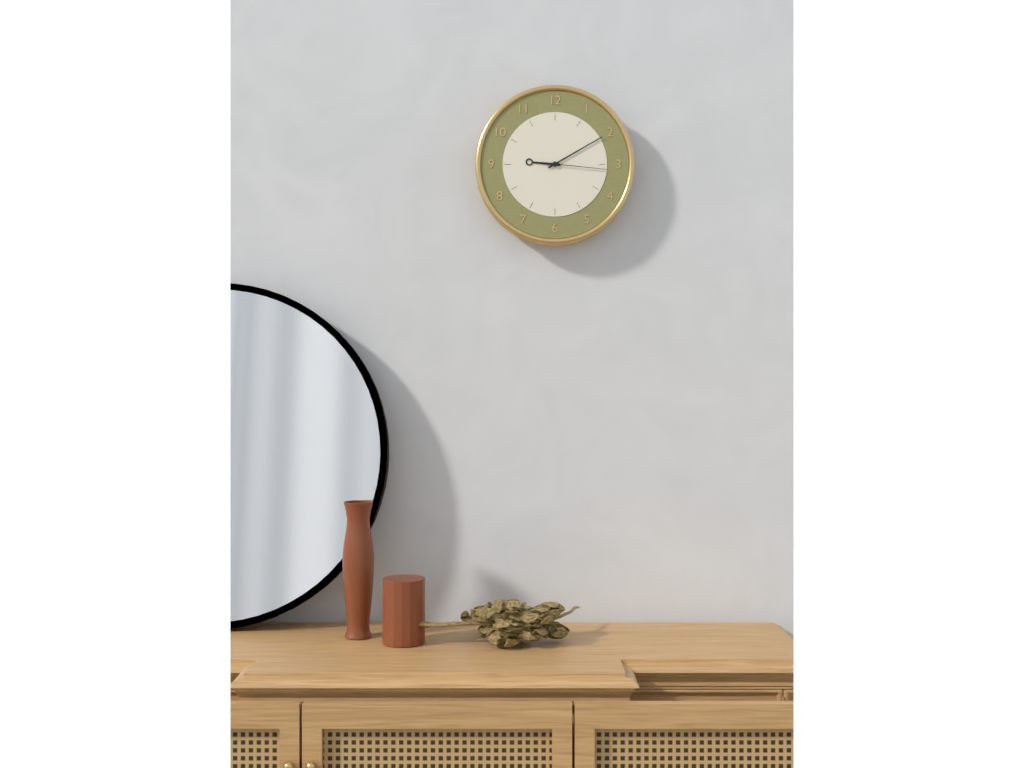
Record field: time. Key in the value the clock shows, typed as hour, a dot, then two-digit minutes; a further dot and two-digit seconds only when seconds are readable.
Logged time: 9.10.16
